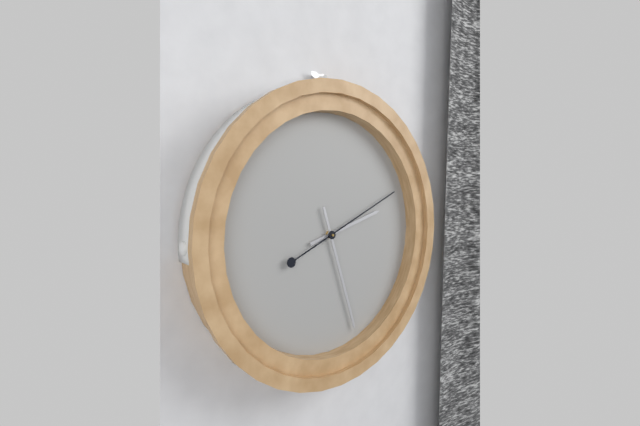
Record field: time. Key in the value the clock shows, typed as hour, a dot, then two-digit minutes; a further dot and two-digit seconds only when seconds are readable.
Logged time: 2.27.11
